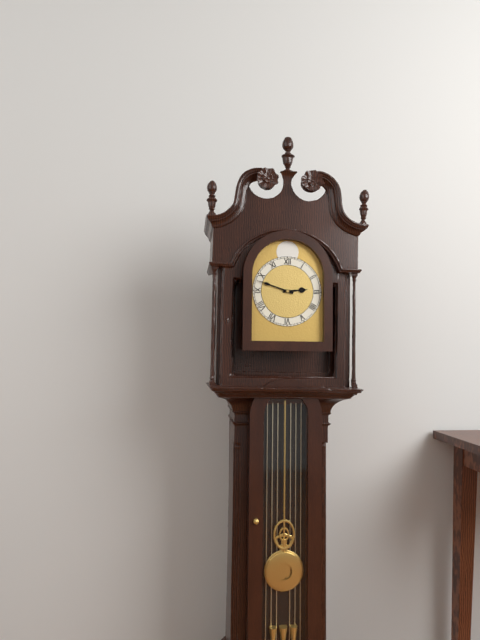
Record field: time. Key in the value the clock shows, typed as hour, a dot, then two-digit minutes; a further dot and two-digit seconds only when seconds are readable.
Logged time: 2.48
